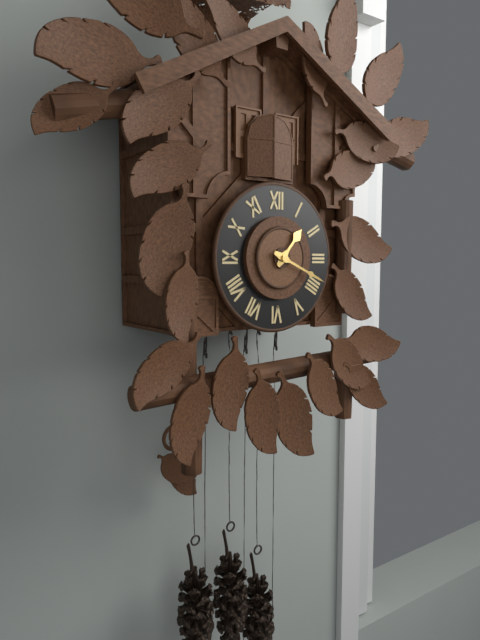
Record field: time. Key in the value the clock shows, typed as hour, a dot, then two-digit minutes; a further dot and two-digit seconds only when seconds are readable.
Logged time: 1.19
